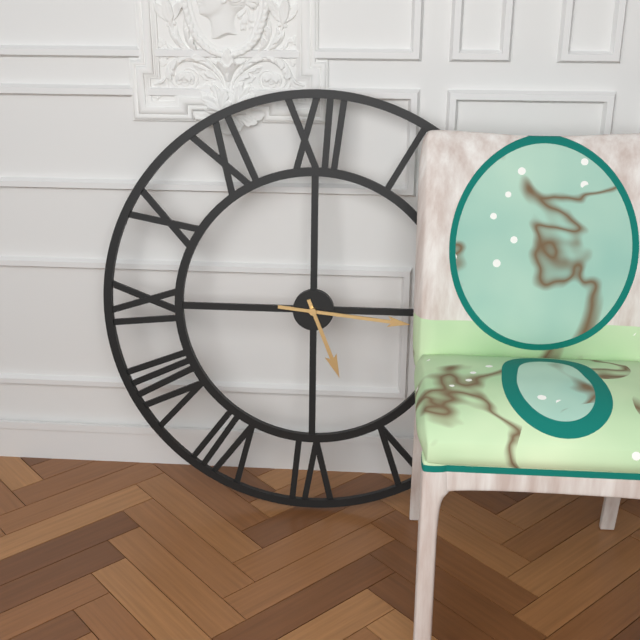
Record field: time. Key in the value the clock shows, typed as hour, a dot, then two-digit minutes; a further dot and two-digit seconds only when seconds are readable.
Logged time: 5.16
